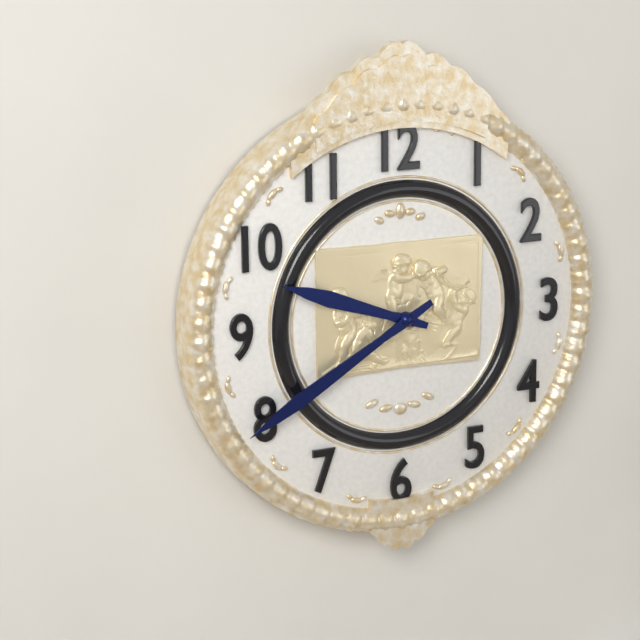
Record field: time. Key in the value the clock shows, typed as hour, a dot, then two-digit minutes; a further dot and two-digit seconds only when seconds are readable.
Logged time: 9.40
